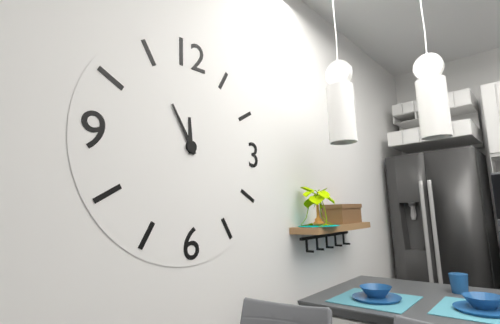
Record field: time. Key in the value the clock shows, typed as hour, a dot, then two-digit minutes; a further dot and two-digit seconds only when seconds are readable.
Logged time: 11.55
